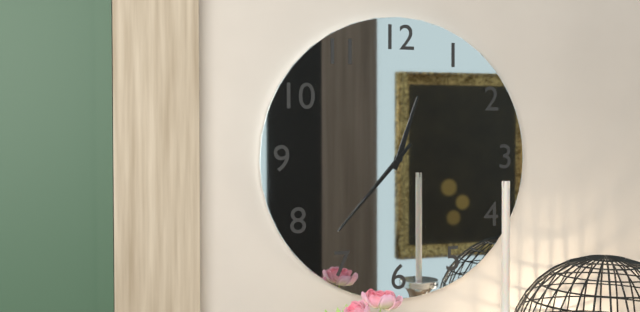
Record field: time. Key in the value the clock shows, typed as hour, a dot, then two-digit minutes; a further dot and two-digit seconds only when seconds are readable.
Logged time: 12.37
